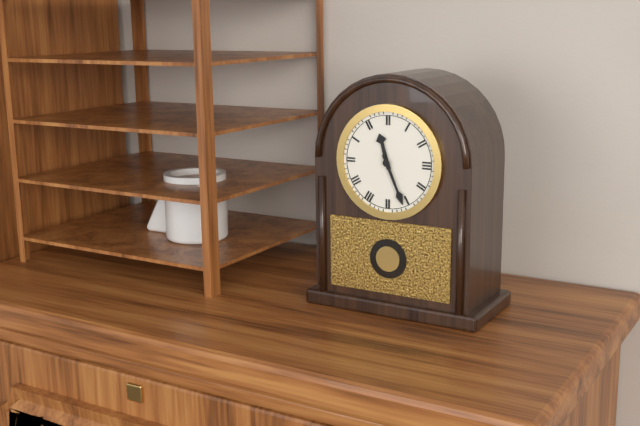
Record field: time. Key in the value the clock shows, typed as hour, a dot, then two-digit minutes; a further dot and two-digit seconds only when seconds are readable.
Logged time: 11.26
